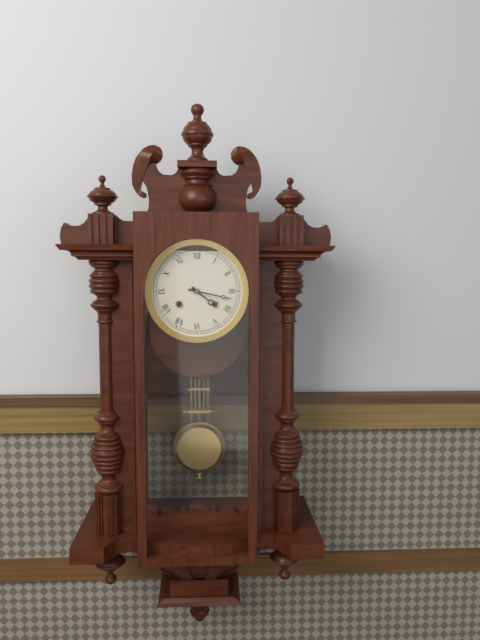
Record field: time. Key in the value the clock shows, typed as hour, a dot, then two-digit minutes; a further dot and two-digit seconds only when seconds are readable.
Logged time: 4.17
